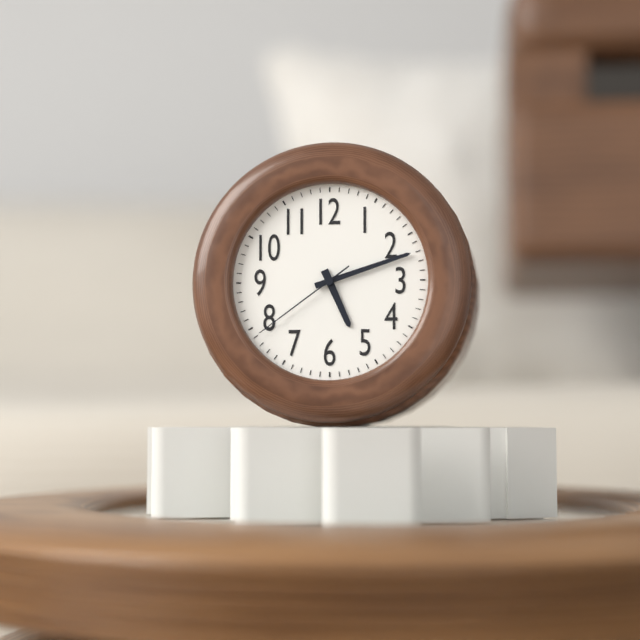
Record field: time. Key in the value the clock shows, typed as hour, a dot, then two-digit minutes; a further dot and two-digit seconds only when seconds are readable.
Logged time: 5.12.39
